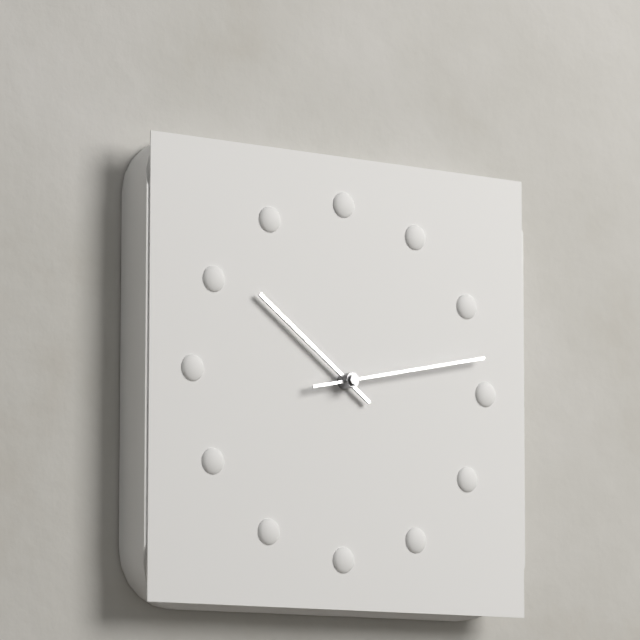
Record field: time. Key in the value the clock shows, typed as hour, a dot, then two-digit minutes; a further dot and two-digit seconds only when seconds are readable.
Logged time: 10.13
